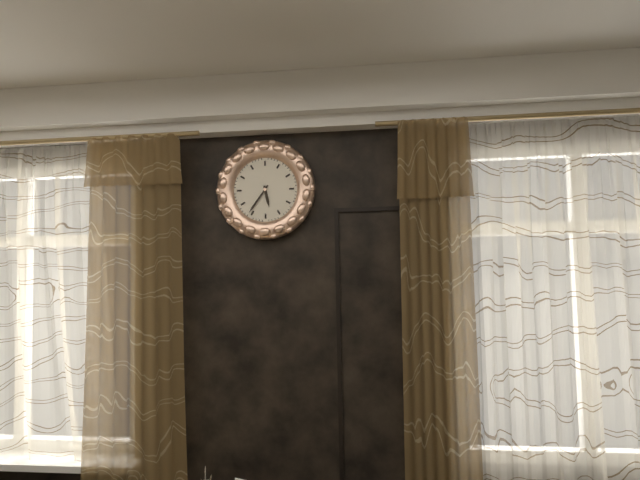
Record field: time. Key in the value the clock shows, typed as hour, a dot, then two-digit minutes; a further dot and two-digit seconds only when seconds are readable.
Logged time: 5.36
